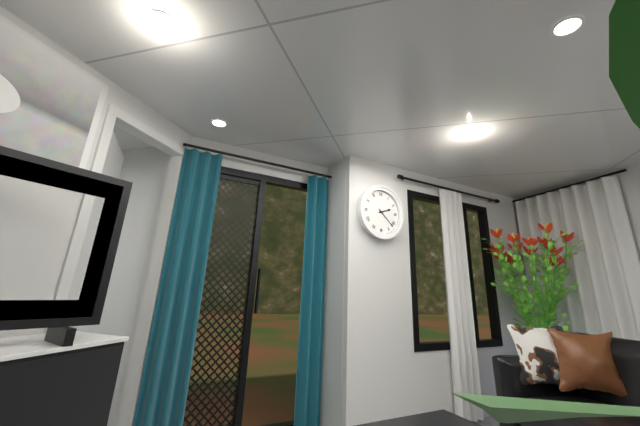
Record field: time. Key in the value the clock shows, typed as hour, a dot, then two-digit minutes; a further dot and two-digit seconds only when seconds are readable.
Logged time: 2.22
